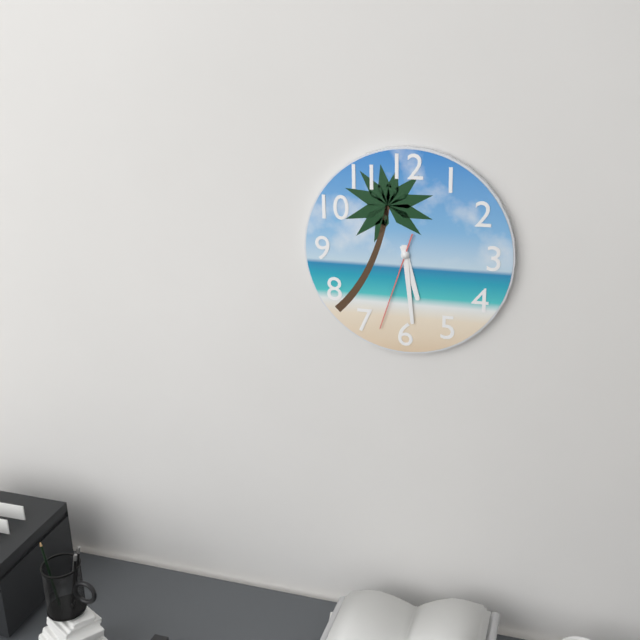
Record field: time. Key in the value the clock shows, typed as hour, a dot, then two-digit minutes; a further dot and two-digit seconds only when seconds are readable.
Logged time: 5.29.33
